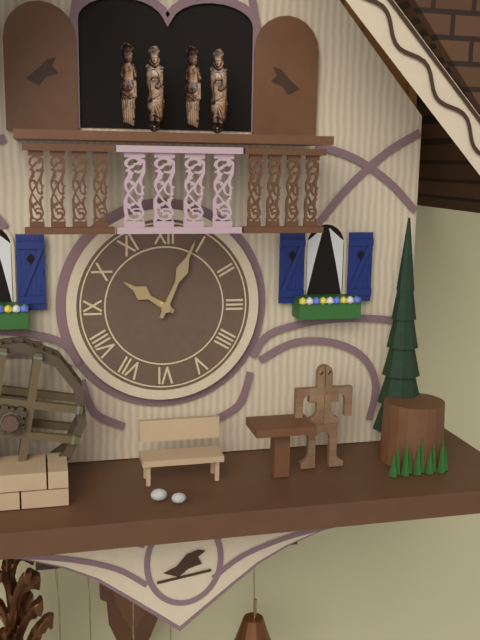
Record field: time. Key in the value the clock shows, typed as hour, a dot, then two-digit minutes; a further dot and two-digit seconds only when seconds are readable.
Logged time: 10.04
